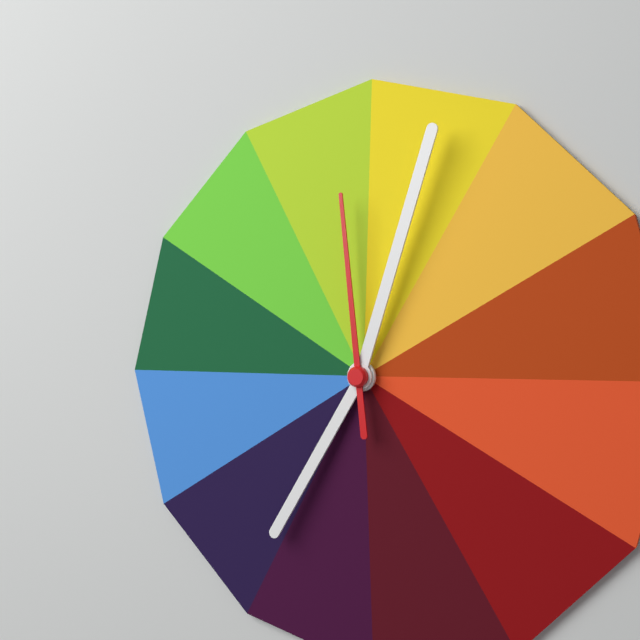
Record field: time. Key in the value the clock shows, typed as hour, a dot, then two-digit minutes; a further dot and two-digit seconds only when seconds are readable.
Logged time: 7.03.59
